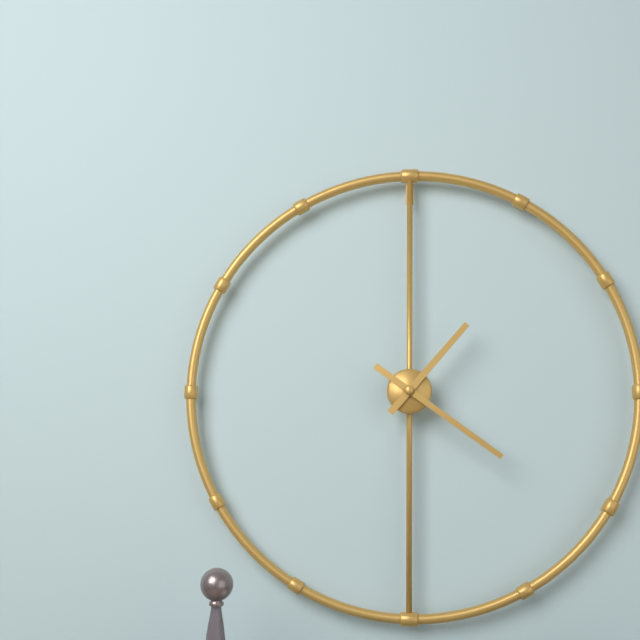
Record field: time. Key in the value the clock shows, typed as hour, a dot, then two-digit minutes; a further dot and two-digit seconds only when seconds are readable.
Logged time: 1.21
